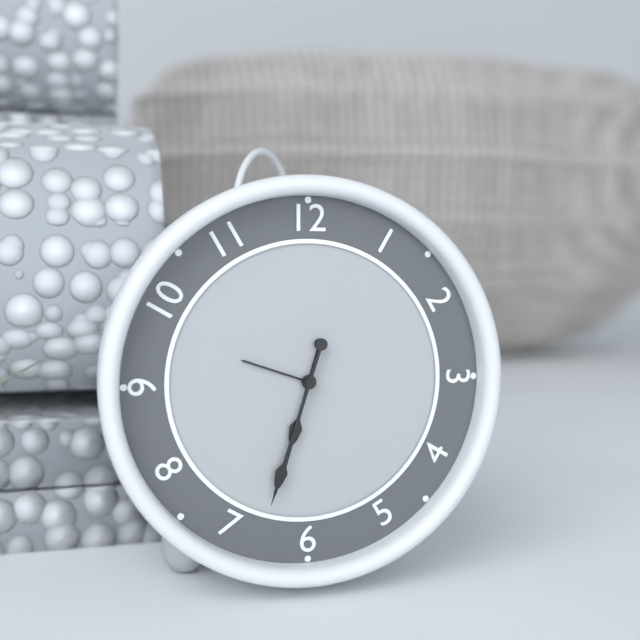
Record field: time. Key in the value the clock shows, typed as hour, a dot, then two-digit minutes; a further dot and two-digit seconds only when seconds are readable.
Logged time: 6.33
